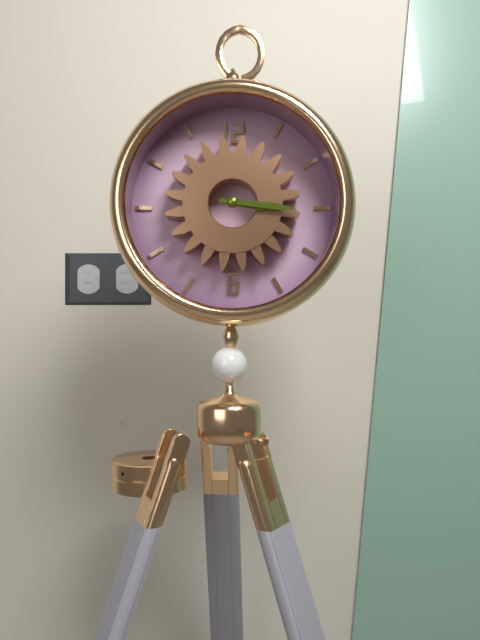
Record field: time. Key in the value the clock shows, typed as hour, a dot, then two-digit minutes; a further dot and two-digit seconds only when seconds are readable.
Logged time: 3.16
